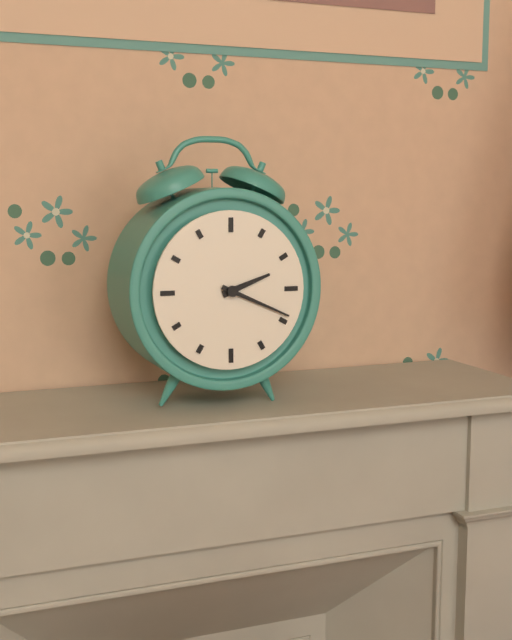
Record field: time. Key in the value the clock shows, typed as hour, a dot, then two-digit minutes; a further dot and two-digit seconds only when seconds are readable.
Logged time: 2.19
